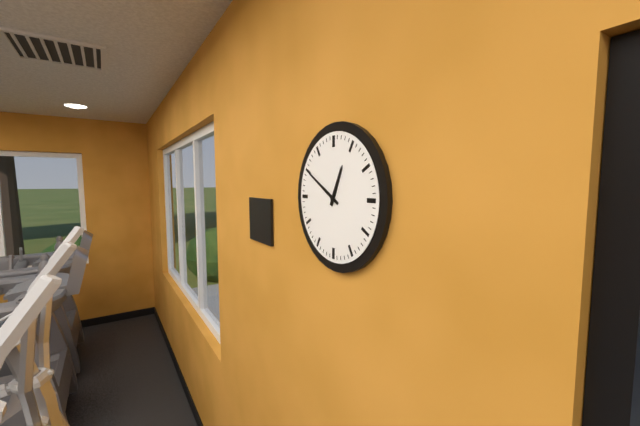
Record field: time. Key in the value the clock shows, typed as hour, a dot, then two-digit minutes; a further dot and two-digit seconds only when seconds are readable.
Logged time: 12.50
